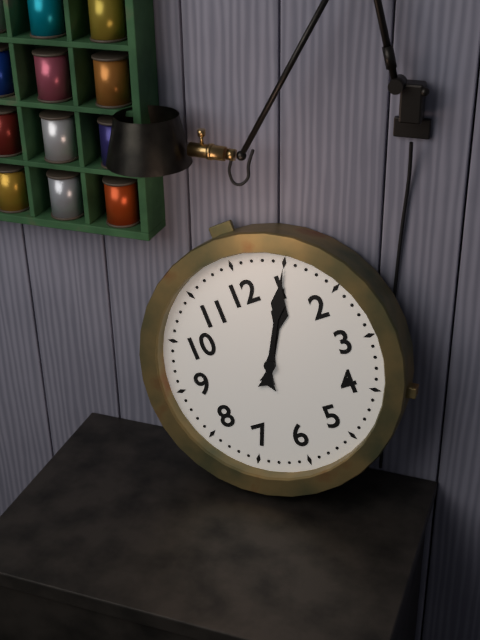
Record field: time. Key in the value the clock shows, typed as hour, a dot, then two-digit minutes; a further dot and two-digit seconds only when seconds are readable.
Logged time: 1.05
